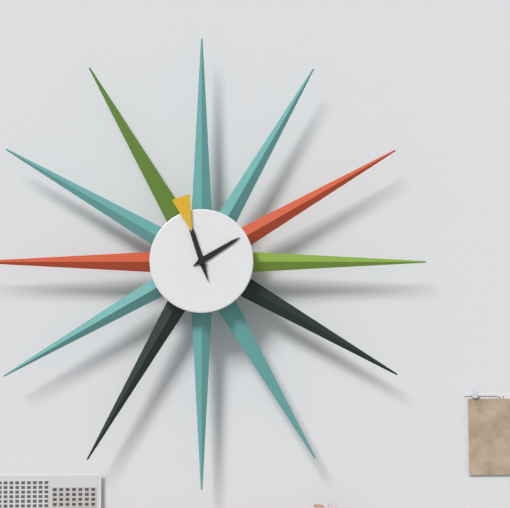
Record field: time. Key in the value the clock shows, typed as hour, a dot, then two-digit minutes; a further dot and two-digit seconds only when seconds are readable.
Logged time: 1.57
